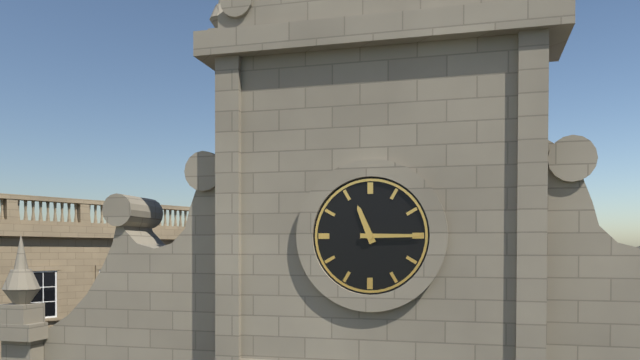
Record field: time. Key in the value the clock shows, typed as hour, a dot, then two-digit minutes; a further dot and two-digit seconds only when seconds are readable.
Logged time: 11.15
